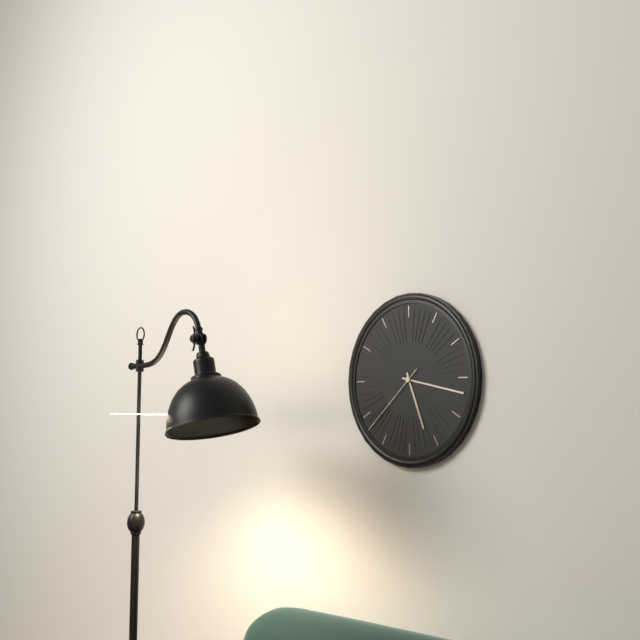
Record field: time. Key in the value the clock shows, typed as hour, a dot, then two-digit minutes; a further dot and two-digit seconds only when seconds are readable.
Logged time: 5.17.38
